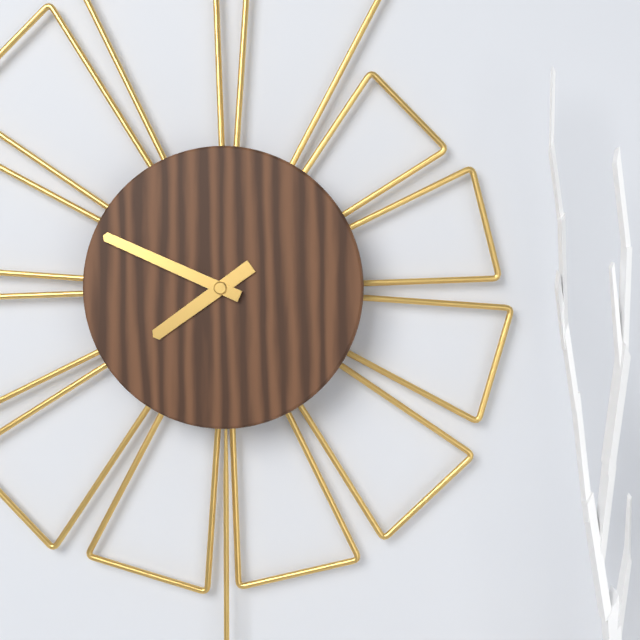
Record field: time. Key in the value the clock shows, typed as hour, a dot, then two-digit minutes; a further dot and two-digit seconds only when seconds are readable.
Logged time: 7.49
